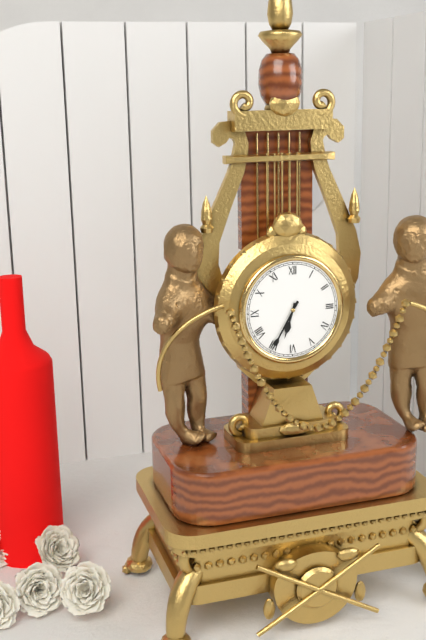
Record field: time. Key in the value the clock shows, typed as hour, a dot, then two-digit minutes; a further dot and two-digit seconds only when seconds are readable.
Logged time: 6.35
